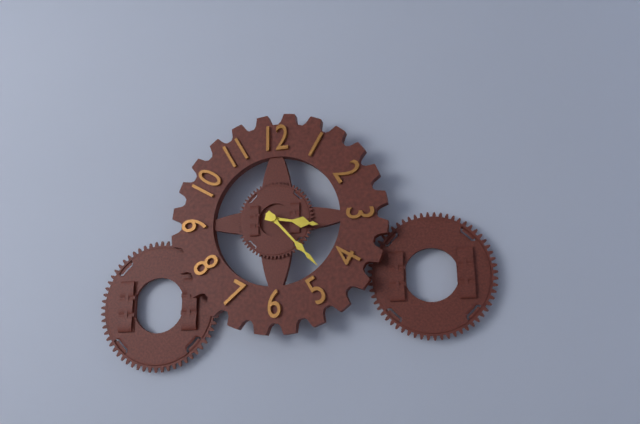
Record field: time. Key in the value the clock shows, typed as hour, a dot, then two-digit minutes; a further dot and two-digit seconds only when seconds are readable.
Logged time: 3.23
